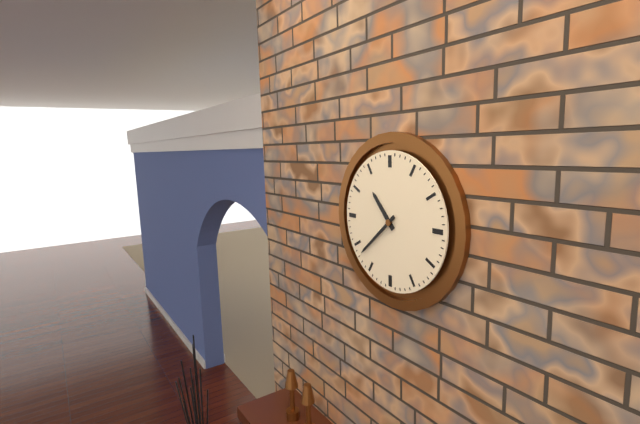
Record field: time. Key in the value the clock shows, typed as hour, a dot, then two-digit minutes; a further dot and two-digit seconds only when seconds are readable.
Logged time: 10.38
